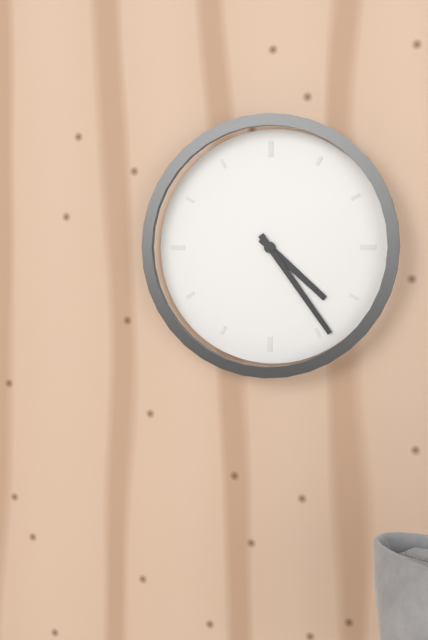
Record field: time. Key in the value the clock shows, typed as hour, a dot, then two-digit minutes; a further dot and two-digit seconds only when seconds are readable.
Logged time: 4.24
